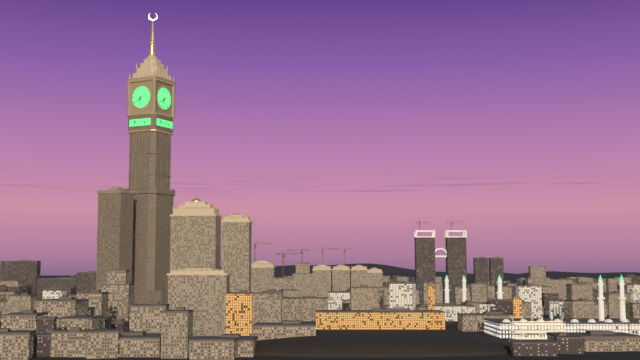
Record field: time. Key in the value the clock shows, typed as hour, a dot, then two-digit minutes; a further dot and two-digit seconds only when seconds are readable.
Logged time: 6.39
